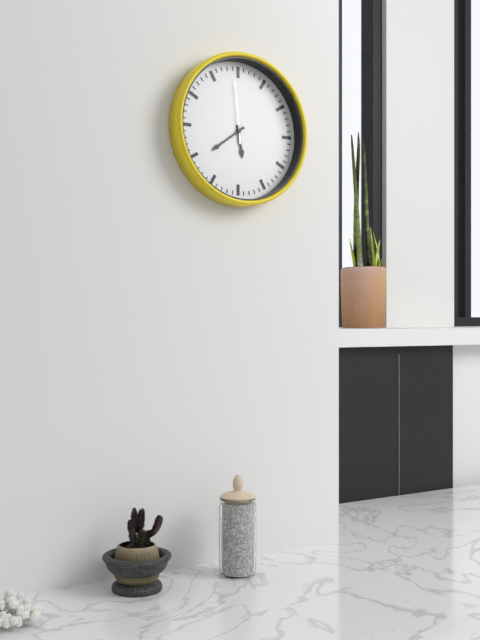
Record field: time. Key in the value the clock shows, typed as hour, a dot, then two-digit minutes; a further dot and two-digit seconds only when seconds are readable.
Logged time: 5.39.59
